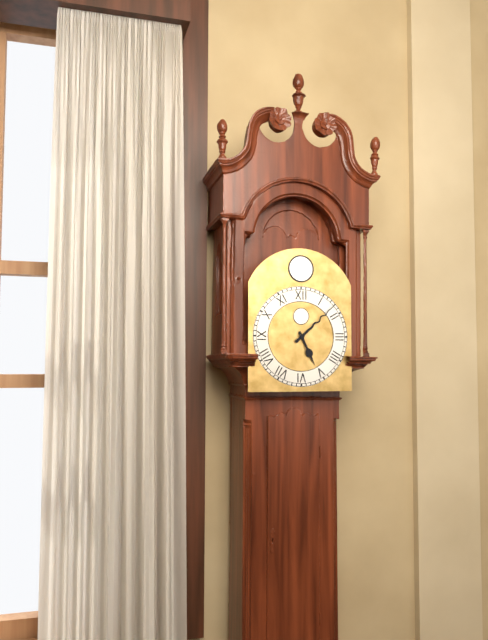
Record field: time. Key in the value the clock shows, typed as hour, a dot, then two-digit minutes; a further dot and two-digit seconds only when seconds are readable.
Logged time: 5.08
